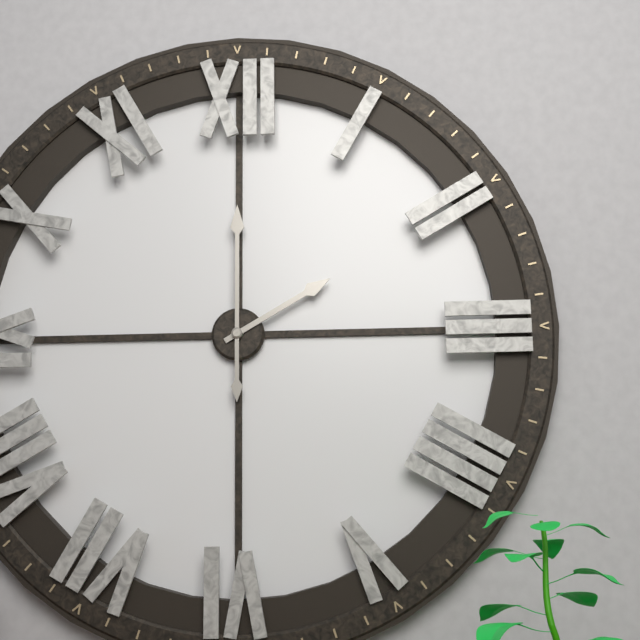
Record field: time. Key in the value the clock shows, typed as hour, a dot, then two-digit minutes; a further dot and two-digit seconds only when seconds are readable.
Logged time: 2.00
